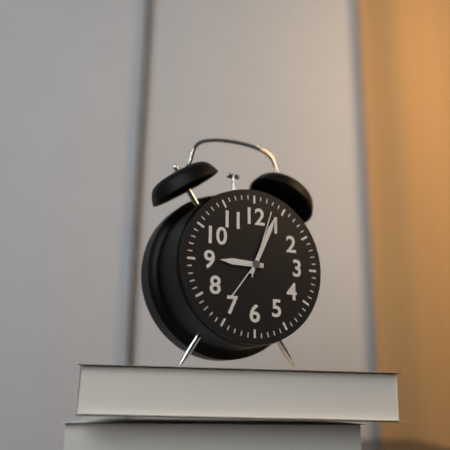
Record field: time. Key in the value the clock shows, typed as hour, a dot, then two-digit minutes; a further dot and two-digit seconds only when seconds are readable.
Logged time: 9.04.03
